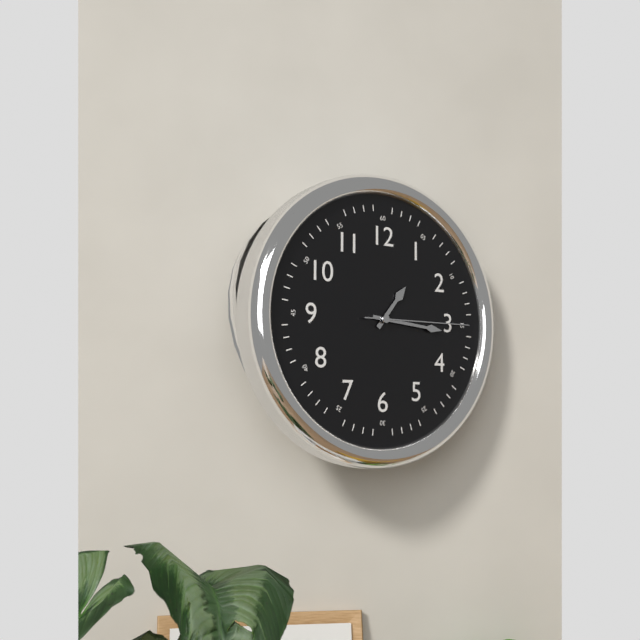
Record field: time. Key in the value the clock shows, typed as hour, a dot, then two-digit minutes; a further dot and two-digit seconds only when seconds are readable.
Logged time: 1.16.15
